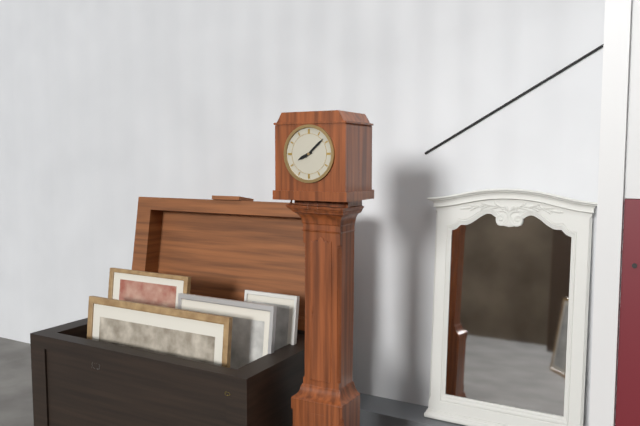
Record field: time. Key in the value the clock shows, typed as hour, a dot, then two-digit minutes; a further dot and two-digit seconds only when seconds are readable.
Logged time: 8.08
